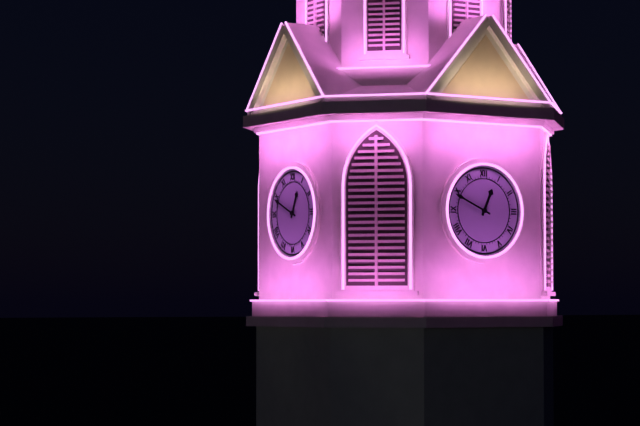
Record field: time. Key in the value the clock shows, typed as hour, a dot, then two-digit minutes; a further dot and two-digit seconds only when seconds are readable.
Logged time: 12.49
